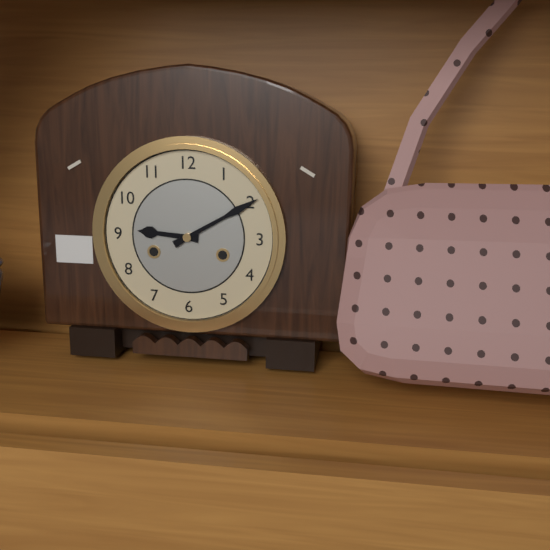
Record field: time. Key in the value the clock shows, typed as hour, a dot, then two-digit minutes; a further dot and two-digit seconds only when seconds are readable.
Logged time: 9.10
